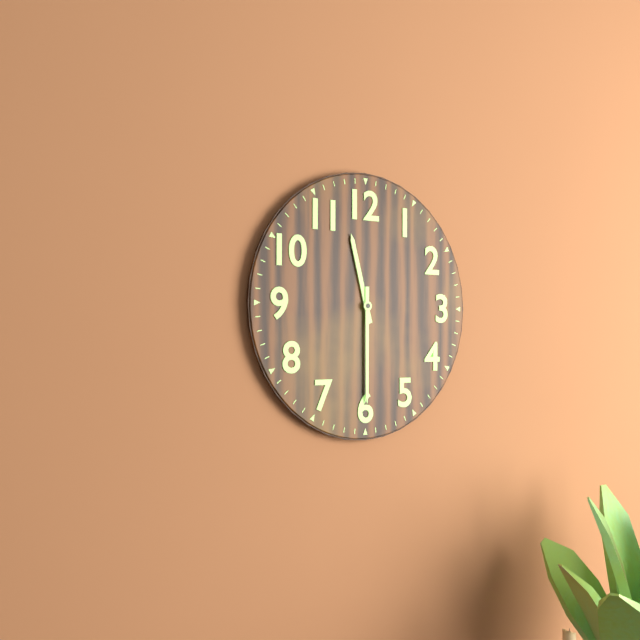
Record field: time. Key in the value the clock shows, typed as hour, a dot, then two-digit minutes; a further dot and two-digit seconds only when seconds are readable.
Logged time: 11.30
